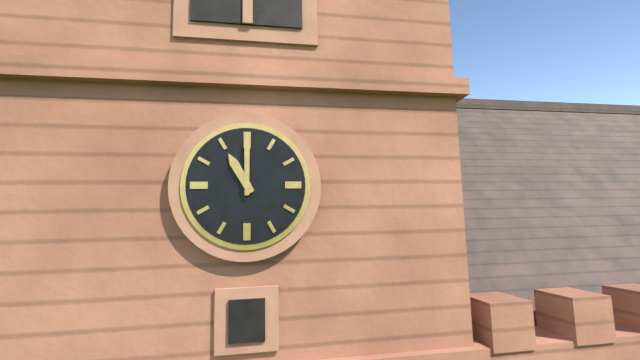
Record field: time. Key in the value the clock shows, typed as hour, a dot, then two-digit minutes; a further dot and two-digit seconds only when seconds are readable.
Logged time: 11.00
